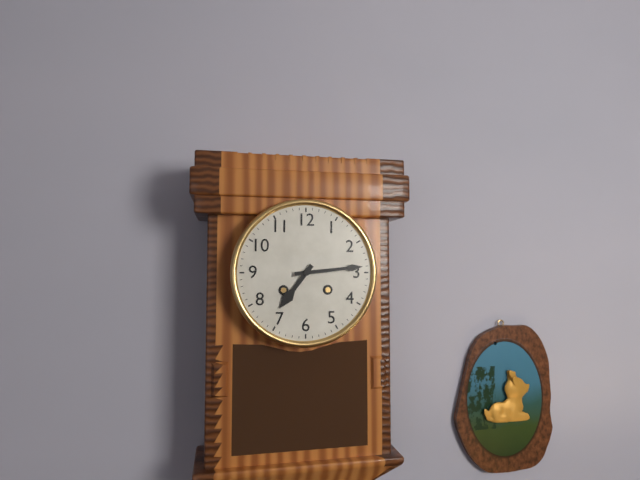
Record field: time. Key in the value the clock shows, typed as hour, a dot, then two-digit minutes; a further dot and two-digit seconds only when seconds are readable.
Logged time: 7.14
